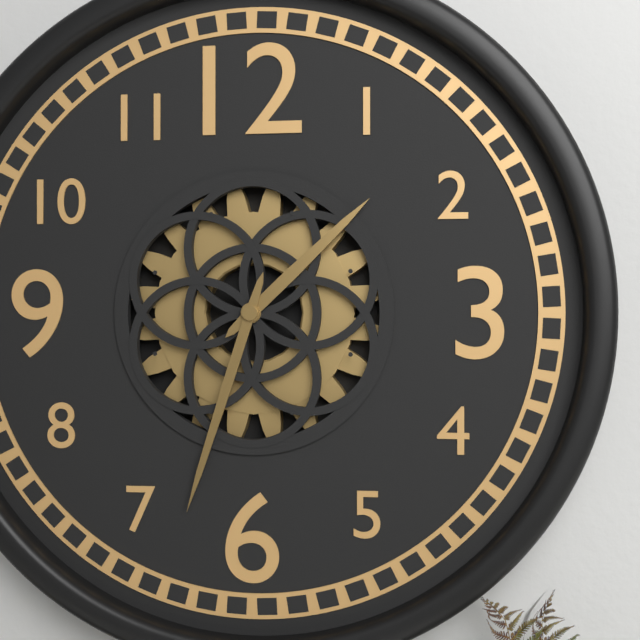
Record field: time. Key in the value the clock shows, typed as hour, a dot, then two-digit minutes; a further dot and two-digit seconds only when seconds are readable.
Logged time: 1.33
